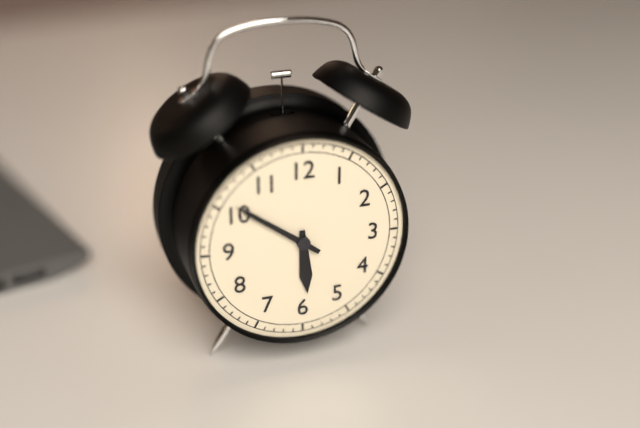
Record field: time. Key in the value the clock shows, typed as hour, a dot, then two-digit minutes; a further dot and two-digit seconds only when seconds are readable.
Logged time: 5.51
